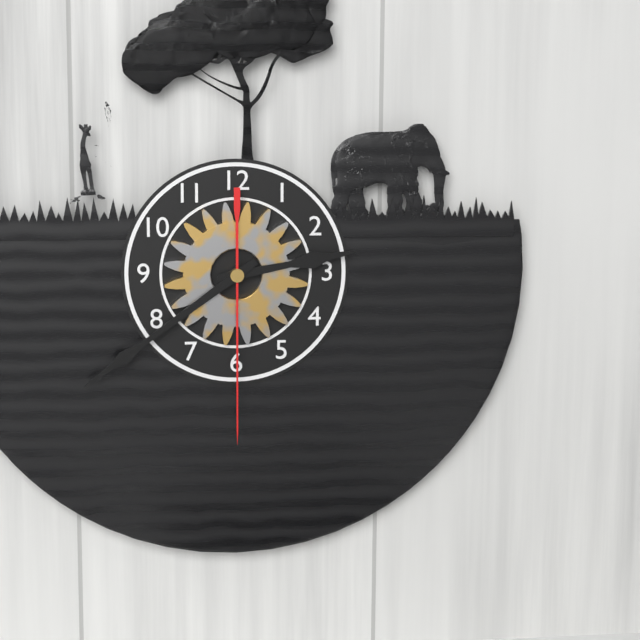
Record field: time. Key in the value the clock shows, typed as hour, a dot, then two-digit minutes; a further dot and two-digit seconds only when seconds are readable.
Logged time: 2.39.30
